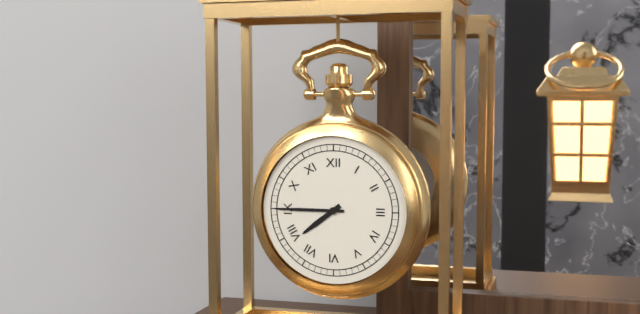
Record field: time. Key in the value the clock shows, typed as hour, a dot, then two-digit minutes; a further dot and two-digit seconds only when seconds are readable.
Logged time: 7.45
